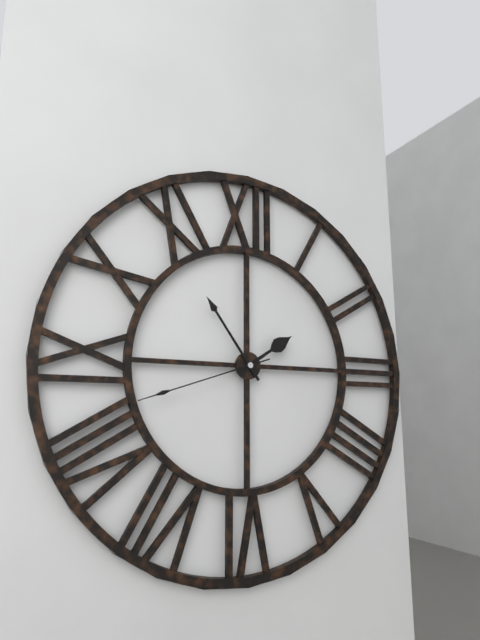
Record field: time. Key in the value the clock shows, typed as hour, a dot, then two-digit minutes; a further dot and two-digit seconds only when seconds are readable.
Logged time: 1.54.42
